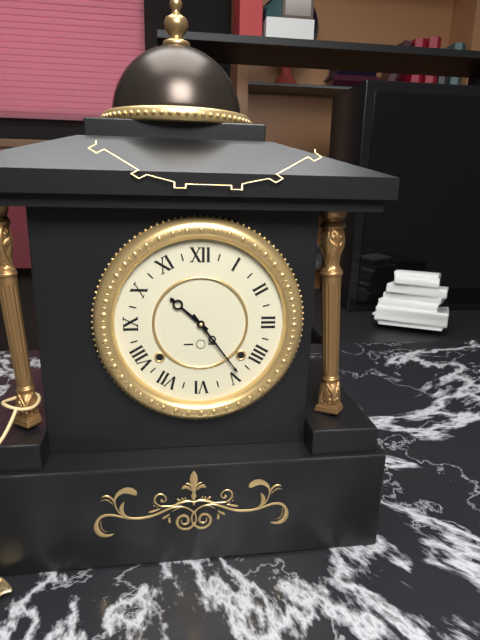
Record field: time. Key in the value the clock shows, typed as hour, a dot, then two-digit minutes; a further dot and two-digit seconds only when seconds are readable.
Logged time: 10.24
